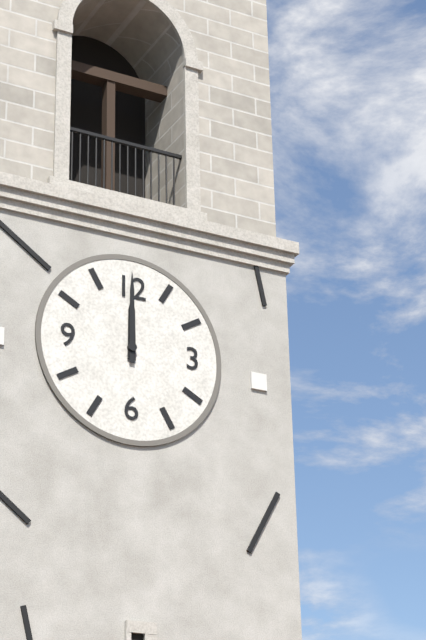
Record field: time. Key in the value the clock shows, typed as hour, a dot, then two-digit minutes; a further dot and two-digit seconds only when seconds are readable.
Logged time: 12.00
